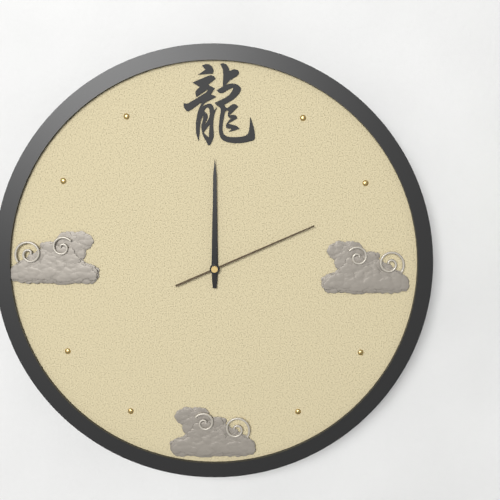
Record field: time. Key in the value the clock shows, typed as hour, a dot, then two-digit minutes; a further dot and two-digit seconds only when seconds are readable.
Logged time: 12.00.11
